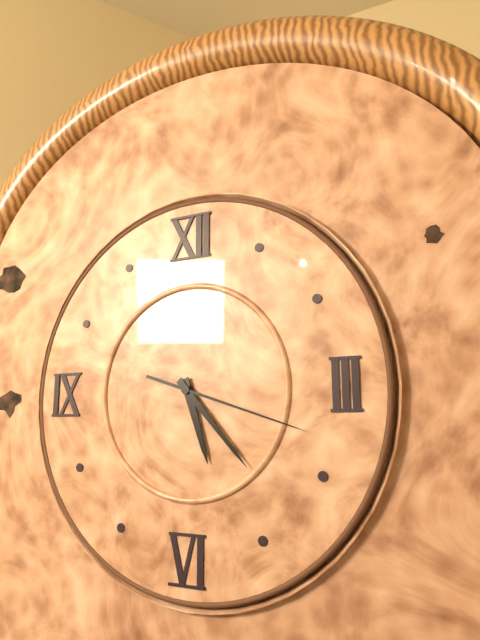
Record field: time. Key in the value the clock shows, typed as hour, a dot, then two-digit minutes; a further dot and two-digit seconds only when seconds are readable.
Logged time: 5.23.18
